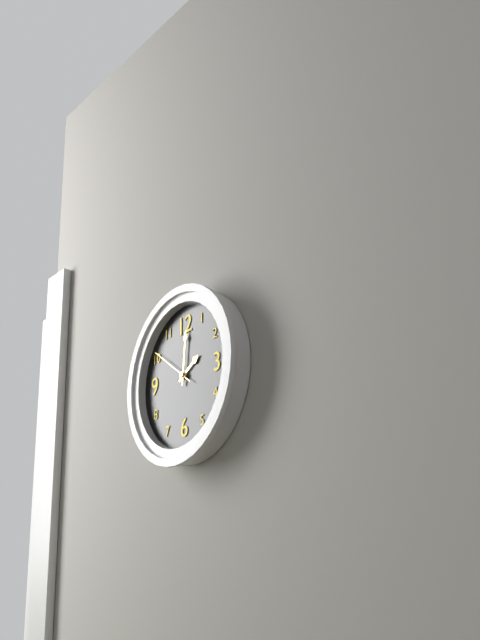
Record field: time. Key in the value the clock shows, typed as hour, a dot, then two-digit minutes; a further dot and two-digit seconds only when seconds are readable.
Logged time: 2.01
